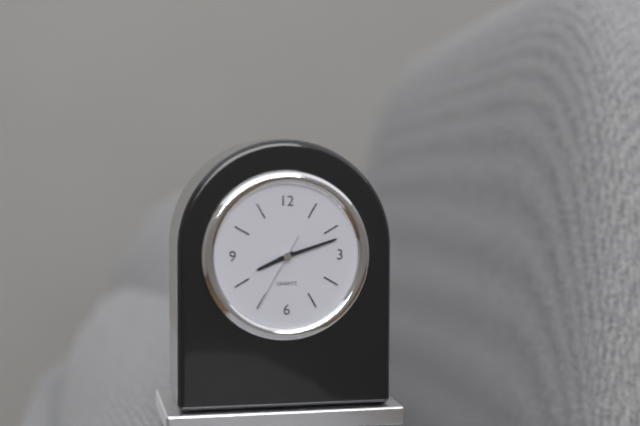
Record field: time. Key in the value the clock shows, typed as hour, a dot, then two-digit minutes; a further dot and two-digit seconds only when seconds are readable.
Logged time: 8.12.35
